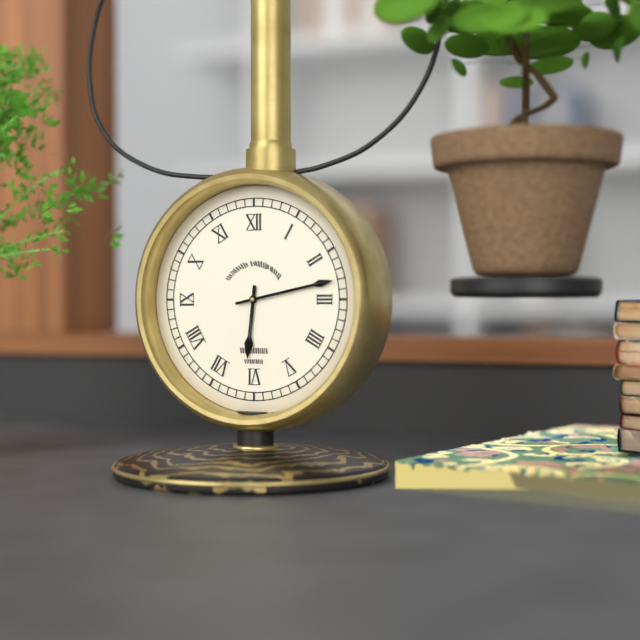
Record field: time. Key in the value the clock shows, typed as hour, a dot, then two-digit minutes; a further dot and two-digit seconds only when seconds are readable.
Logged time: 6.13
